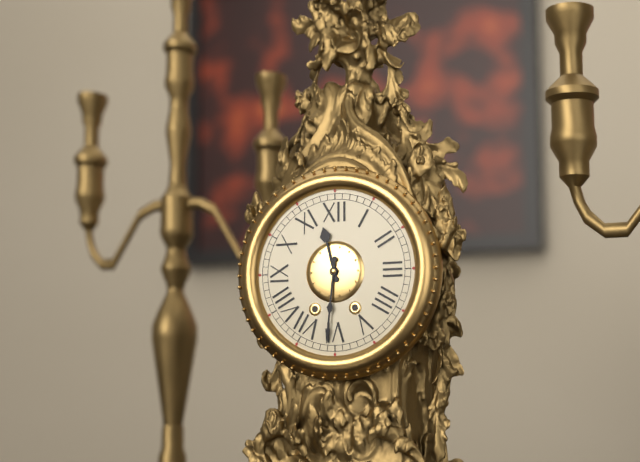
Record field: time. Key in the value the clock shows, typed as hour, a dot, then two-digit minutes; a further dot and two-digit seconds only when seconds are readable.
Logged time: 11.31
